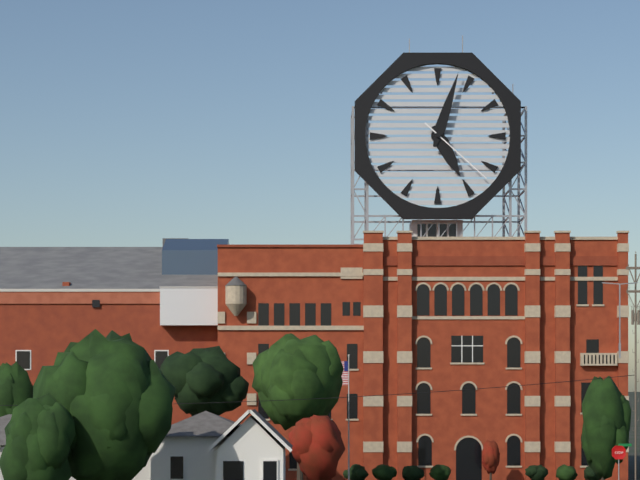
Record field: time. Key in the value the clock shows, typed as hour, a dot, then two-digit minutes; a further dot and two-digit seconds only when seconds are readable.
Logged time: 5.03.22
